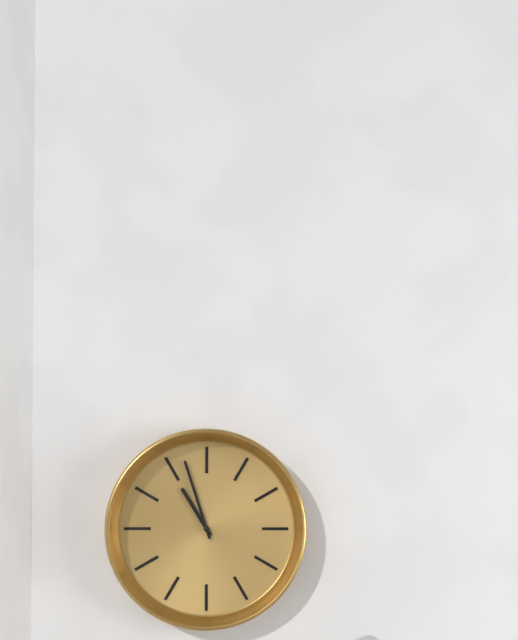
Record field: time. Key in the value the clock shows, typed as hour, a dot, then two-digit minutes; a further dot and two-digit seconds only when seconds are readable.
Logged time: 10.57
